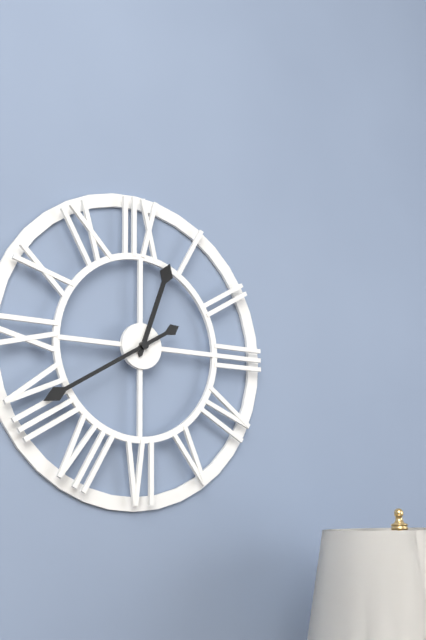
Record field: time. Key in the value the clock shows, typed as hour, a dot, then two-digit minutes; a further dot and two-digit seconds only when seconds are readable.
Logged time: 12.40
